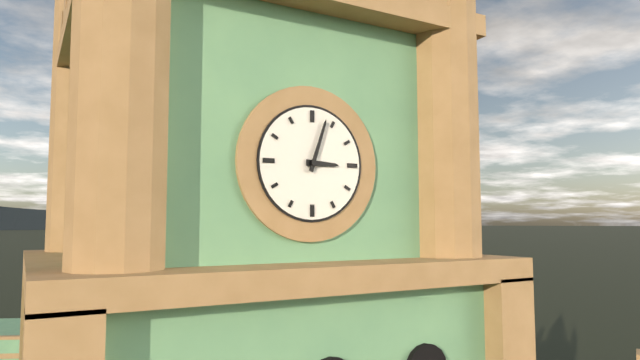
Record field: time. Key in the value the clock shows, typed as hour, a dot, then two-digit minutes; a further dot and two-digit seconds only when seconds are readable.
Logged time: 3.03
